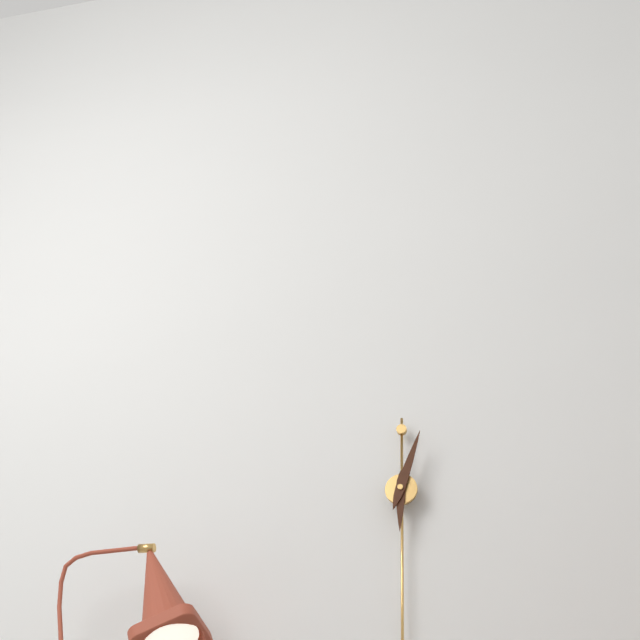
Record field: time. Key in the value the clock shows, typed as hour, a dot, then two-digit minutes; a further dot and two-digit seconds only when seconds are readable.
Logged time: 6.03
